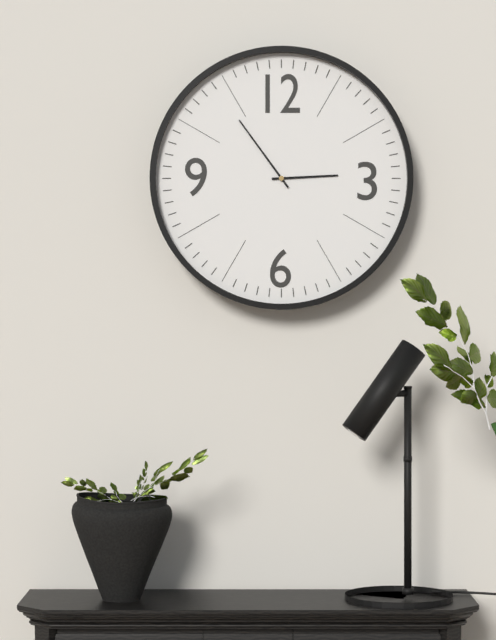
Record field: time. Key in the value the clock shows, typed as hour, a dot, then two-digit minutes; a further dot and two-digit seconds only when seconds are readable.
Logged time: 2.54
